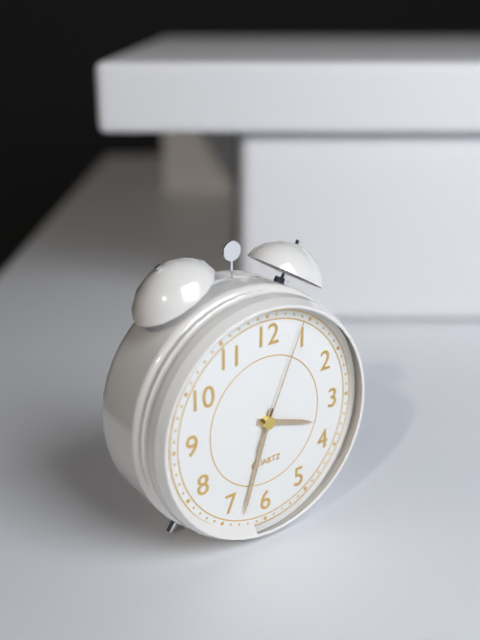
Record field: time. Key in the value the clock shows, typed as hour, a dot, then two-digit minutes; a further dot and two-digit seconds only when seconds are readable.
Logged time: 3.33.04
